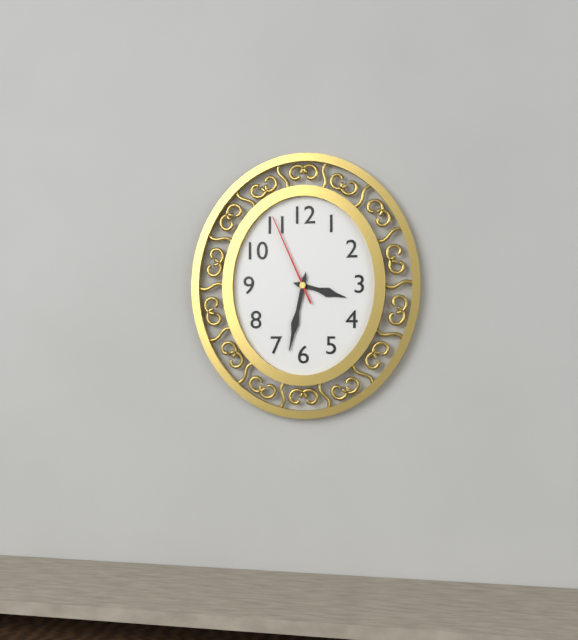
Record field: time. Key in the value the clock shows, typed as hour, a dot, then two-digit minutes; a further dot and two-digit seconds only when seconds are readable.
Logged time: 3.32.56
